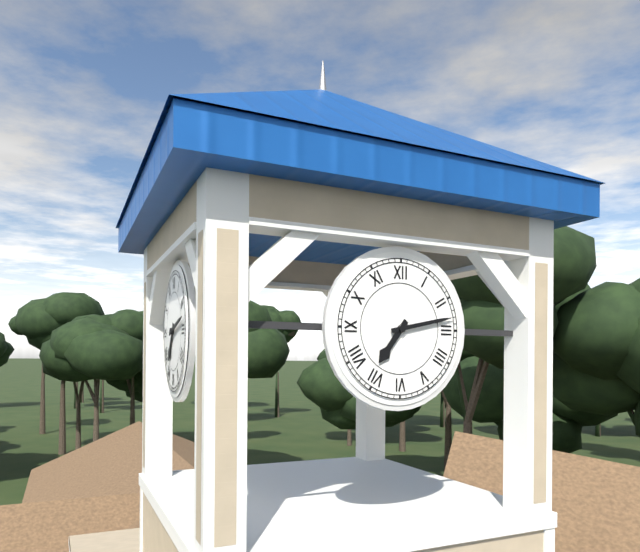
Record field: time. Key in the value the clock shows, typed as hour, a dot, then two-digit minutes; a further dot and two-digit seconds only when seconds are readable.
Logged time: 7.13
